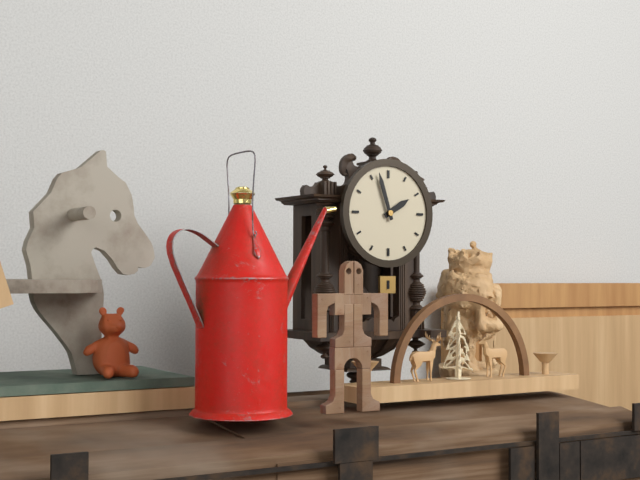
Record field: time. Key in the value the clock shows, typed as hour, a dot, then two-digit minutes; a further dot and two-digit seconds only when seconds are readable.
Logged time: 1.57
